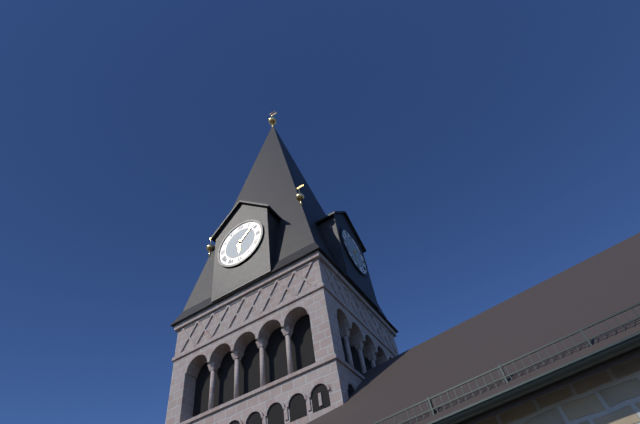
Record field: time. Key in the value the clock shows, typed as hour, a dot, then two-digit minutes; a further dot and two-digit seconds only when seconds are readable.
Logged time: 6.08
